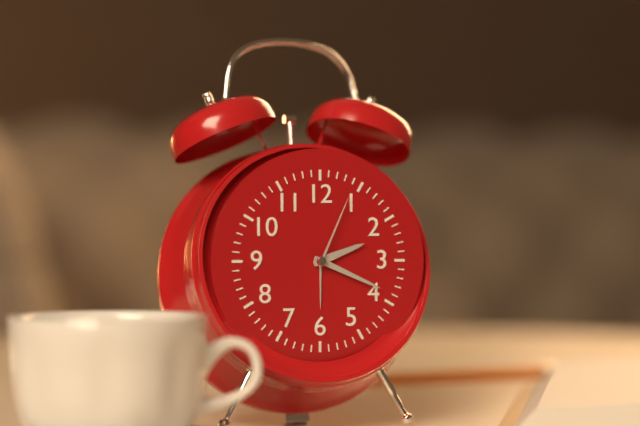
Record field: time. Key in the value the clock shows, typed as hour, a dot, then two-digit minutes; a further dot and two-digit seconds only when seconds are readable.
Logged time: 2.19.04
